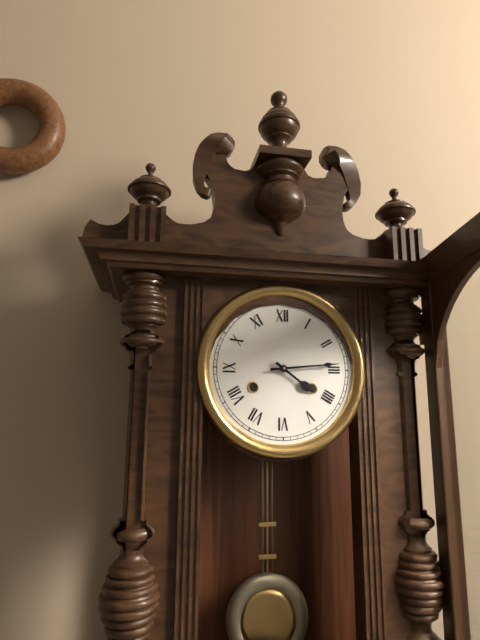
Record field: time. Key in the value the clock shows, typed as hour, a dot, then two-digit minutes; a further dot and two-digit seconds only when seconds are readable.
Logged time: 4.14
